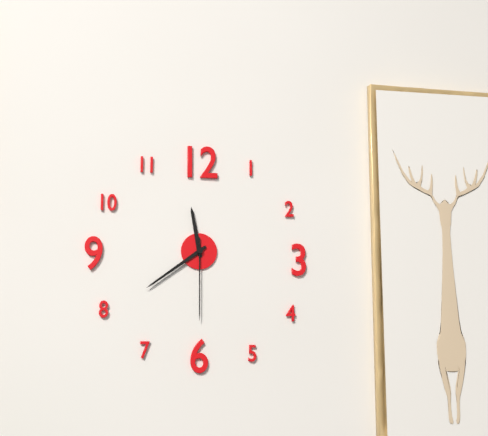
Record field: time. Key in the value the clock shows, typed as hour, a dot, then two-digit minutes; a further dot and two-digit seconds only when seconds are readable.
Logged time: 11.39.30
